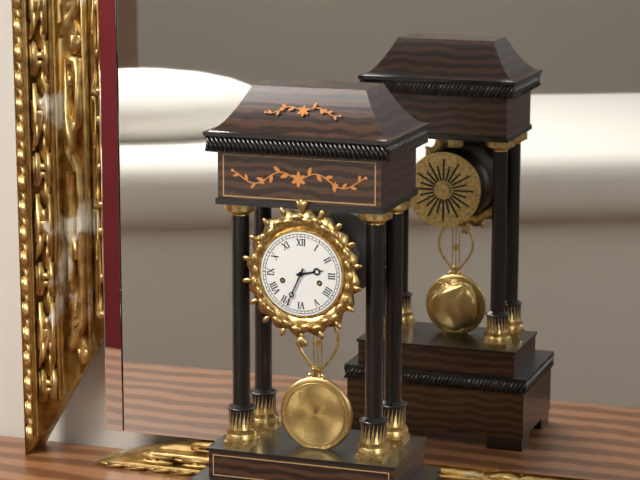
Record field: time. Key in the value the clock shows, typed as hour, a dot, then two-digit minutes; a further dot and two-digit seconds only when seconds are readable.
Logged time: 2.34
